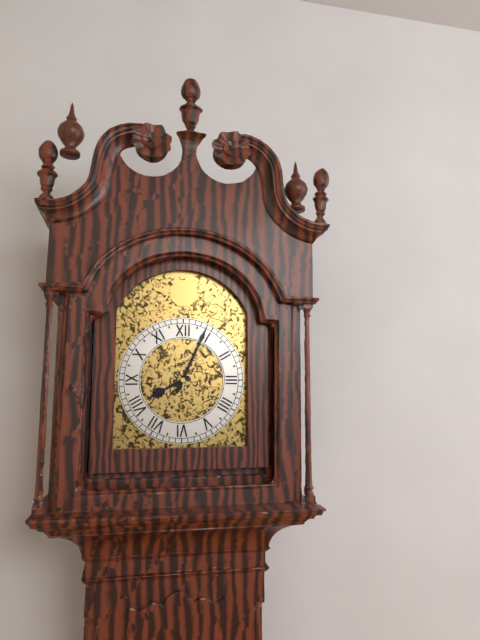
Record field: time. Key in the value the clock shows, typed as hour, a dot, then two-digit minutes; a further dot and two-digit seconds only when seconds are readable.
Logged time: 8.04
